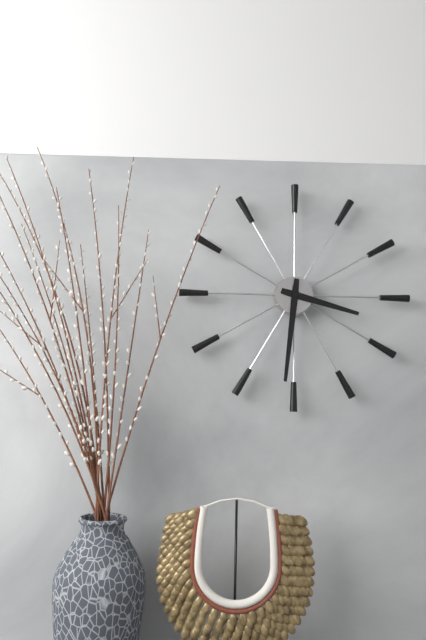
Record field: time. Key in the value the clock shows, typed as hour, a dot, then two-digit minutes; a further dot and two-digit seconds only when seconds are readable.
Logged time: 3.31
